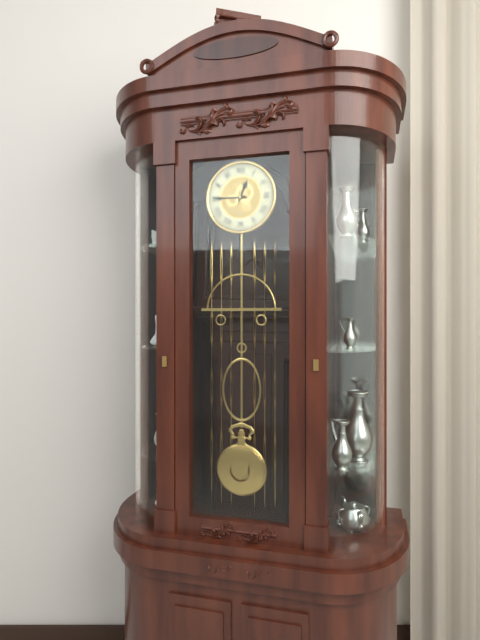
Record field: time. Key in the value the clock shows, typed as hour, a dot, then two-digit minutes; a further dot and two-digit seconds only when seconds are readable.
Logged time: 12.45
